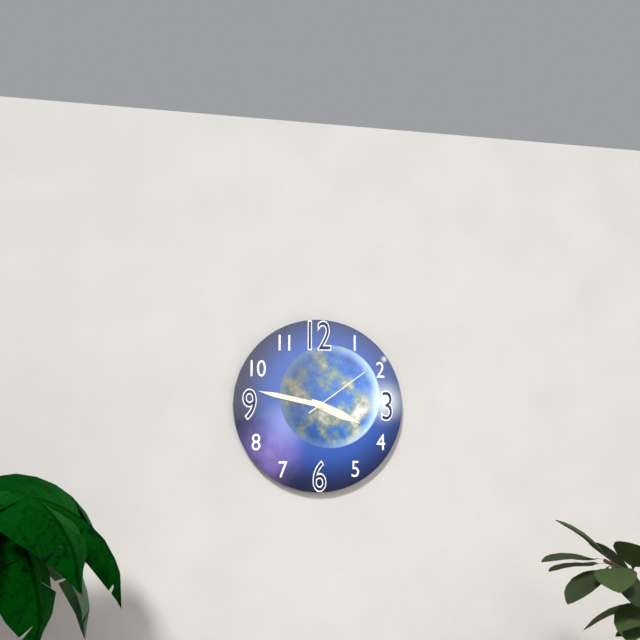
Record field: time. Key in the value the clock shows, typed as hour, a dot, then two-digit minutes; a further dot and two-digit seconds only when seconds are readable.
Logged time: 3.47.09
